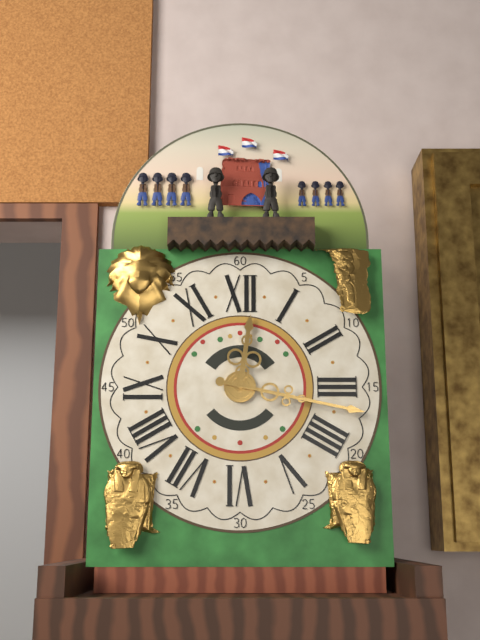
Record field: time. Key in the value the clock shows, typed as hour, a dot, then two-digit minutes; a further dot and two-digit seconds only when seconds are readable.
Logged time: 12.17
